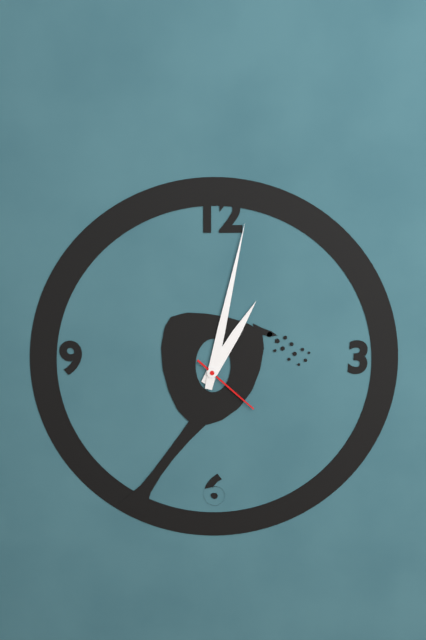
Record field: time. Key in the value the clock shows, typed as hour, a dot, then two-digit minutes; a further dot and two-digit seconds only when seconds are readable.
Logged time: 1.02.22
